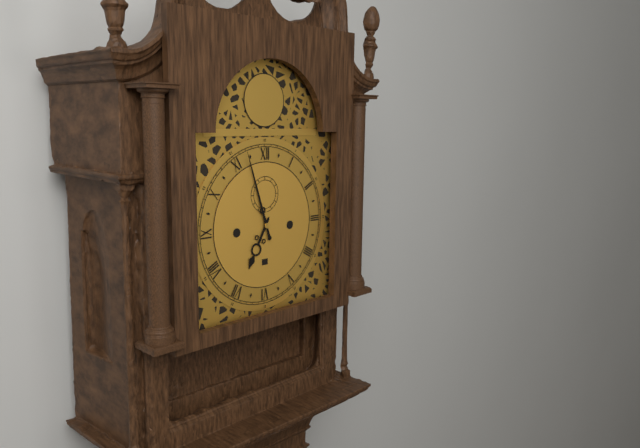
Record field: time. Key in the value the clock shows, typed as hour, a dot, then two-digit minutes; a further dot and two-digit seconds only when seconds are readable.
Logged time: 6.57
